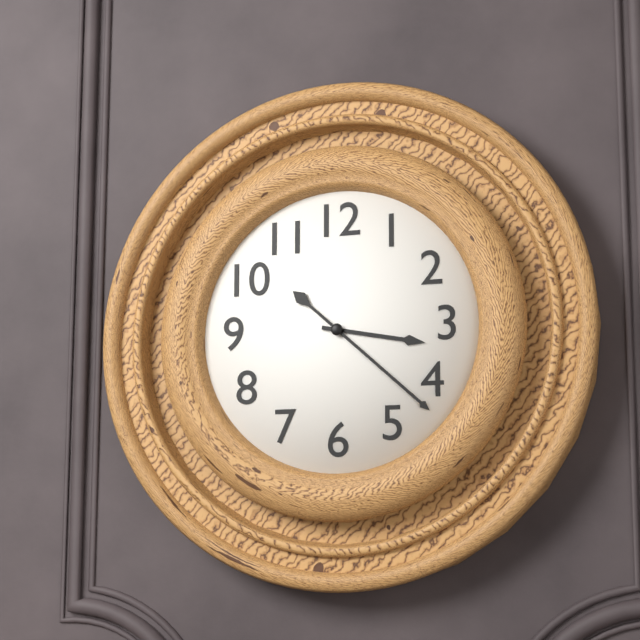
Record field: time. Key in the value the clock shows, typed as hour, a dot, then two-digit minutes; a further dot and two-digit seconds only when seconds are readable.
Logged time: 3.22
